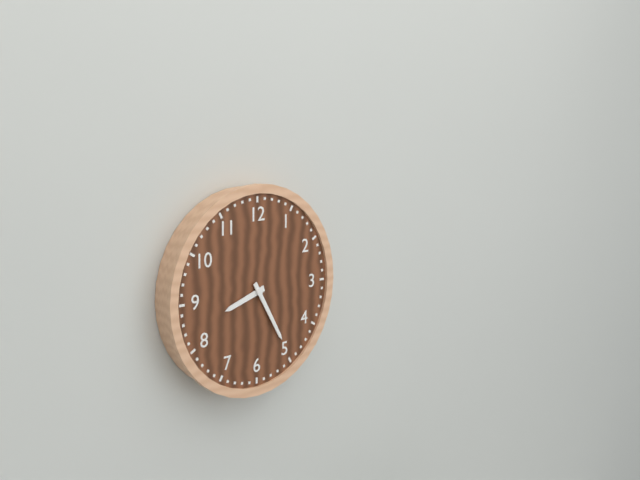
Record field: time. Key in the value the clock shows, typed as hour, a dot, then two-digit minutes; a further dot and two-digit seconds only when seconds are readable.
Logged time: 8.25
